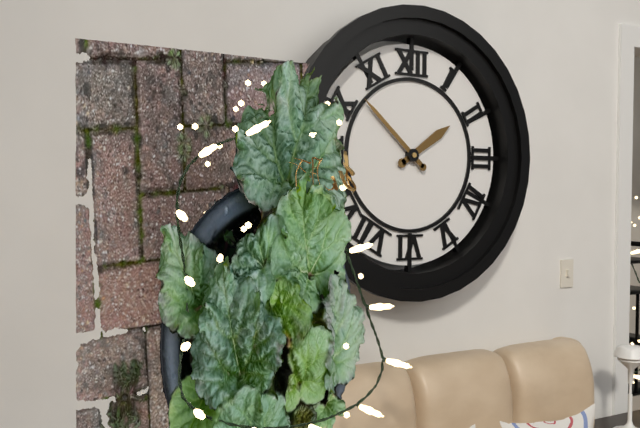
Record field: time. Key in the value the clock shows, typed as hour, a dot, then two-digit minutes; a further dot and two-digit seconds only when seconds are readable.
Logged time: 1.52
